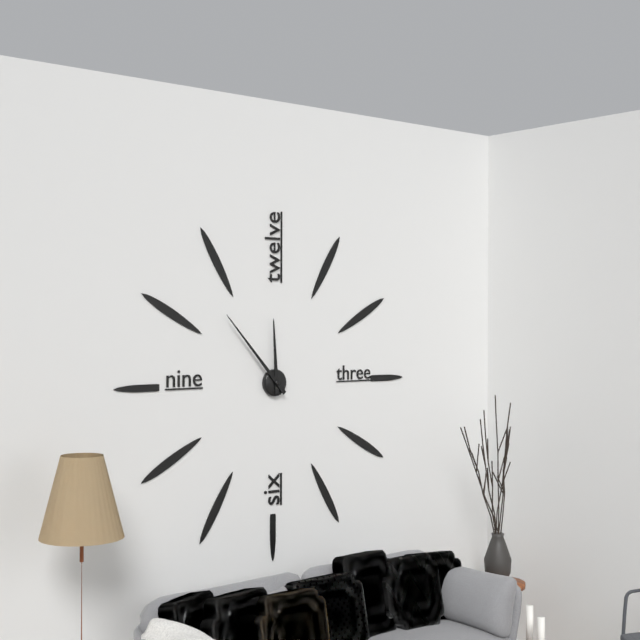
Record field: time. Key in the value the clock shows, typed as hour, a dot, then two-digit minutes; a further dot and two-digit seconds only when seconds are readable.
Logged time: 11.53
